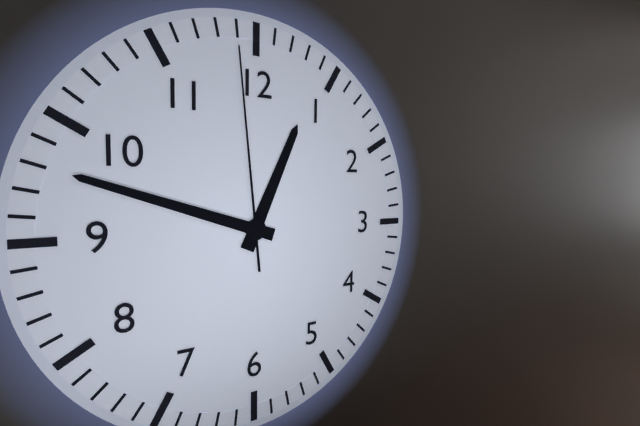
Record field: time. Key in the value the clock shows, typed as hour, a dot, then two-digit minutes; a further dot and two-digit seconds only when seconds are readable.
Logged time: 12.48.59
